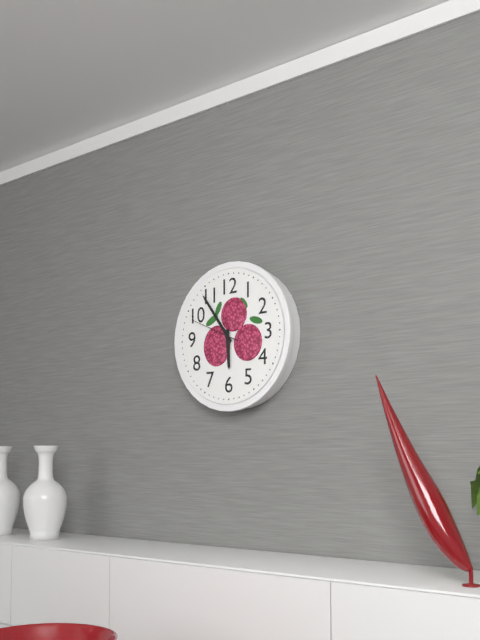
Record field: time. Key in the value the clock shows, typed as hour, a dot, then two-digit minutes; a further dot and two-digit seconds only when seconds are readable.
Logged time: 5.54
